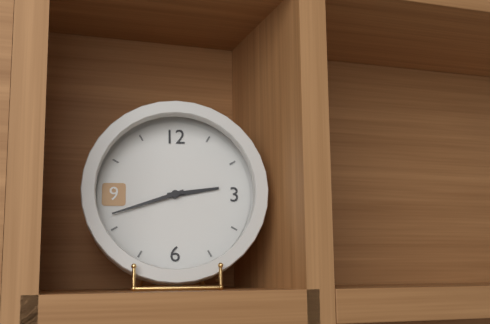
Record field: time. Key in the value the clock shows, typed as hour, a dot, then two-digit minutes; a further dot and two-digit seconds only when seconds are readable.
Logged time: 2.42
